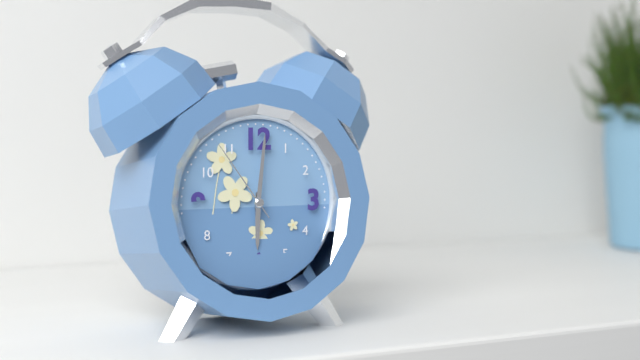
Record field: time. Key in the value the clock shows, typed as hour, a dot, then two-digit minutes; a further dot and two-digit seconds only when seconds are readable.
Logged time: 6.01.54
